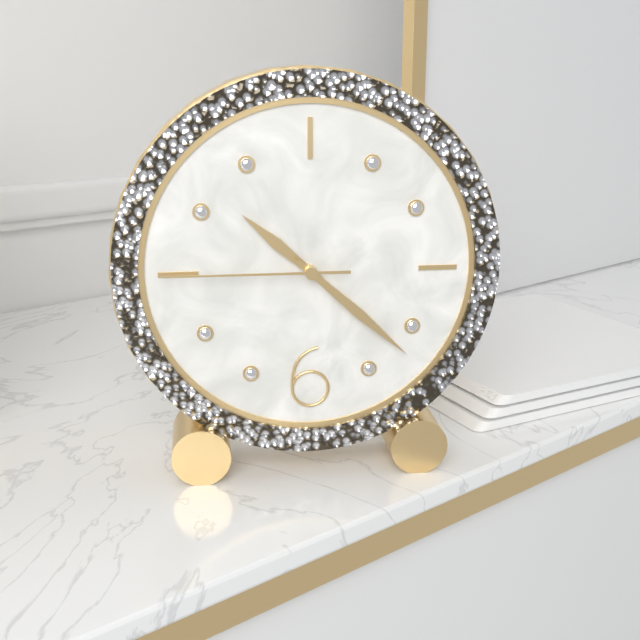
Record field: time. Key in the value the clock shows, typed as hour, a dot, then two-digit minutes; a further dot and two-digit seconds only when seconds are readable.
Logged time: 10.22.45
